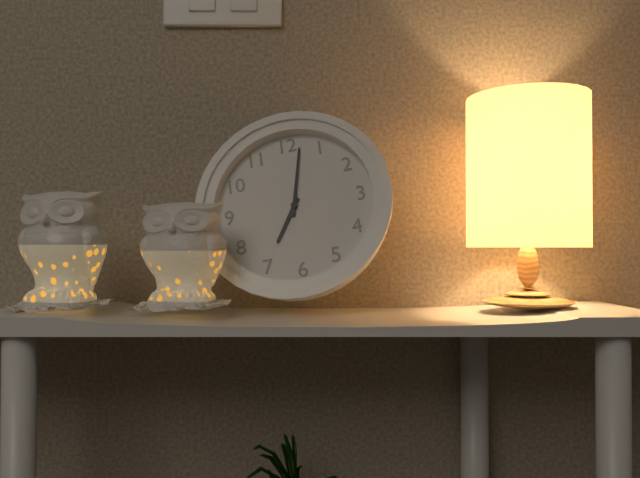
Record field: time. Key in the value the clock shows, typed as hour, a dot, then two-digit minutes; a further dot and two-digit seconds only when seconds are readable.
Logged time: 7.02
